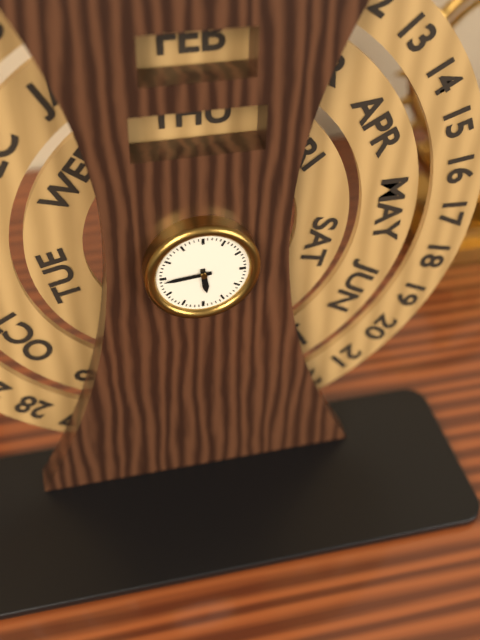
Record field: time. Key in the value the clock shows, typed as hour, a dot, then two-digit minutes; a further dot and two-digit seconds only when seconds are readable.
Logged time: 5.44
